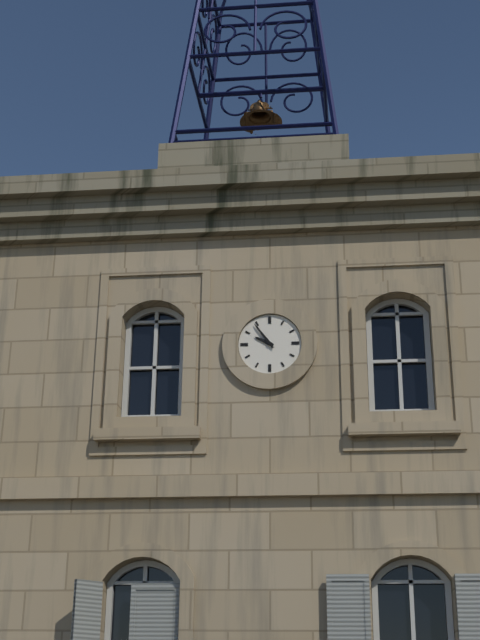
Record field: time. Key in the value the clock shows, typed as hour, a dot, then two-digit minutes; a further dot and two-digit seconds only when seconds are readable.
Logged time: 9.54
